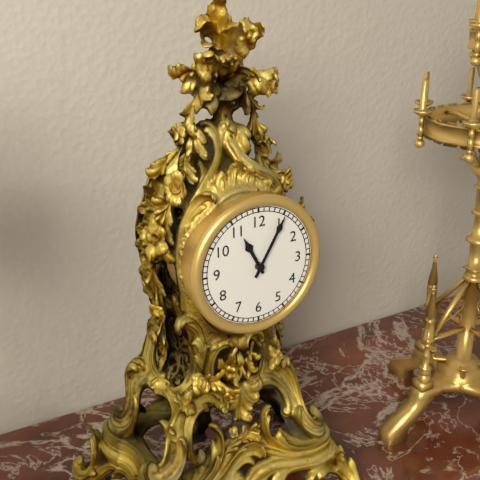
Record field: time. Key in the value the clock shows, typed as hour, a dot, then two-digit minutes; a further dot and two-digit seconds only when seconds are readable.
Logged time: 11.05
